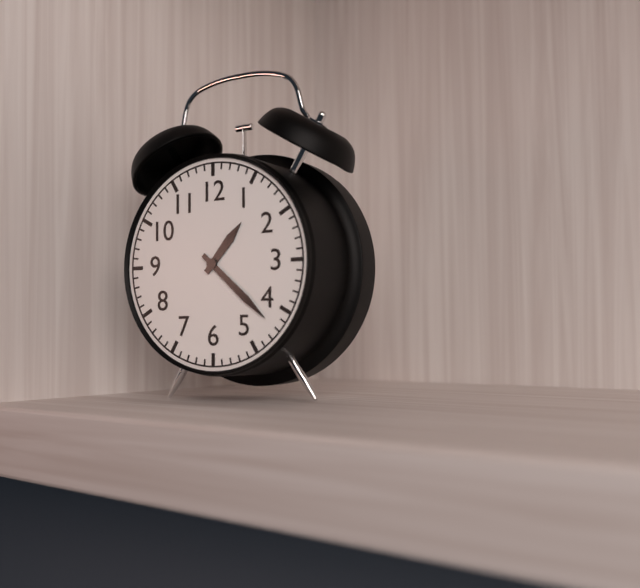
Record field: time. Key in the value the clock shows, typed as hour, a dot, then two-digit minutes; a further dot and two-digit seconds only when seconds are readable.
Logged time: 1.22
